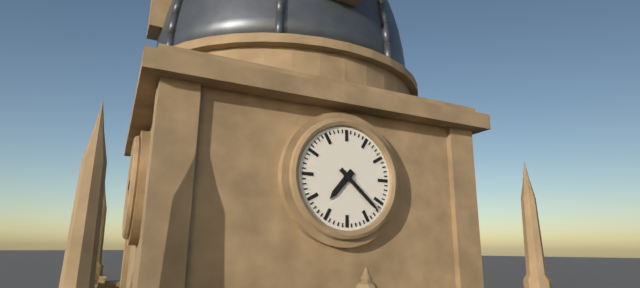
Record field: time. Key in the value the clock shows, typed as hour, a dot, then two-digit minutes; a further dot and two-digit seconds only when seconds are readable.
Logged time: 7.22
